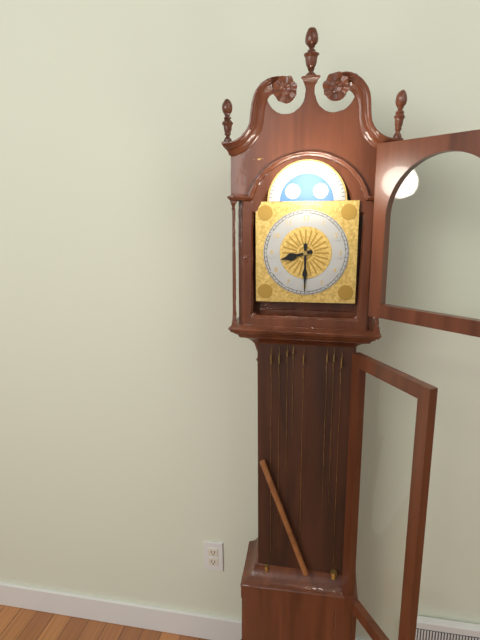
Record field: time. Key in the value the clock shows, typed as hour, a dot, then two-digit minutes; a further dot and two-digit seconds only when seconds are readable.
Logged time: 8.30
